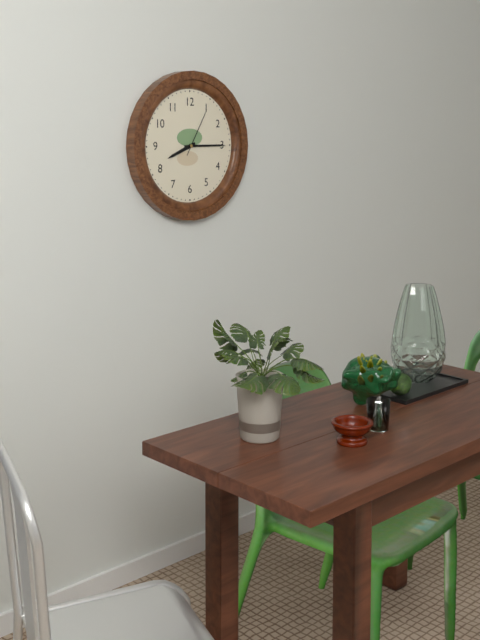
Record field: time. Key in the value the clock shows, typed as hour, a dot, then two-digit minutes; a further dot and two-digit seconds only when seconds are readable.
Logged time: 8.15.05
